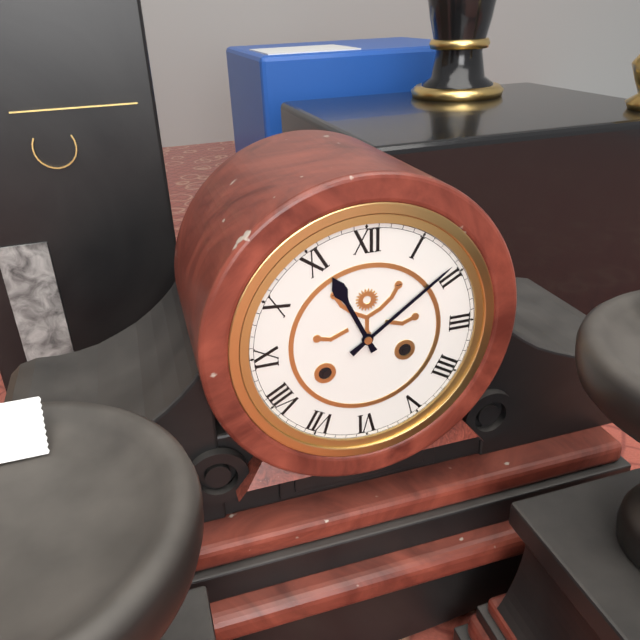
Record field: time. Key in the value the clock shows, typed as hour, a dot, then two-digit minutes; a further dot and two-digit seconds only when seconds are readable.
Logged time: 11.09
